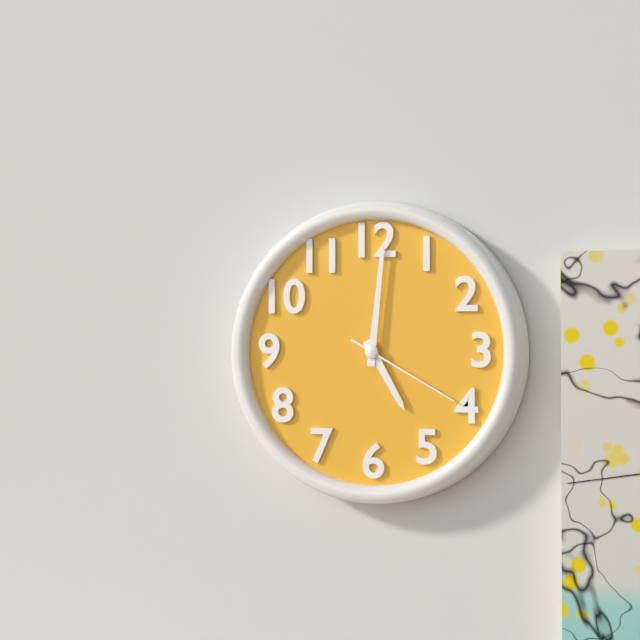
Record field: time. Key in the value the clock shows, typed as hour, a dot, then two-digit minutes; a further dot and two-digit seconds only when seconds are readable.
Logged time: 5.01.20
